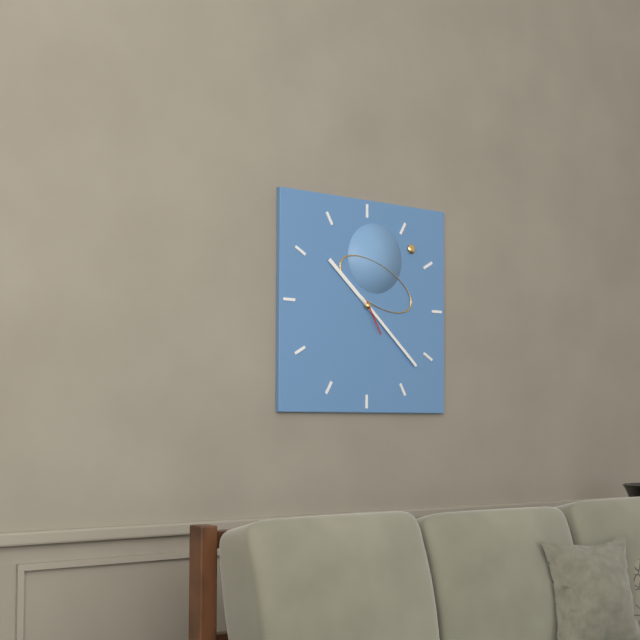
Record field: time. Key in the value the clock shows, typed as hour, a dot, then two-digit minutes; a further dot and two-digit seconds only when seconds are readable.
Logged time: 10.22
